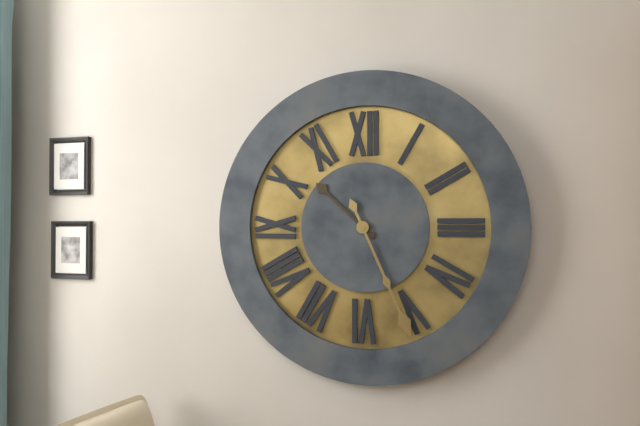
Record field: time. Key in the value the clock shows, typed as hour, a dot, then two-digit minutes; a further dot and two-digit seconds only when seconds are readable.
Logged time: 10.26
